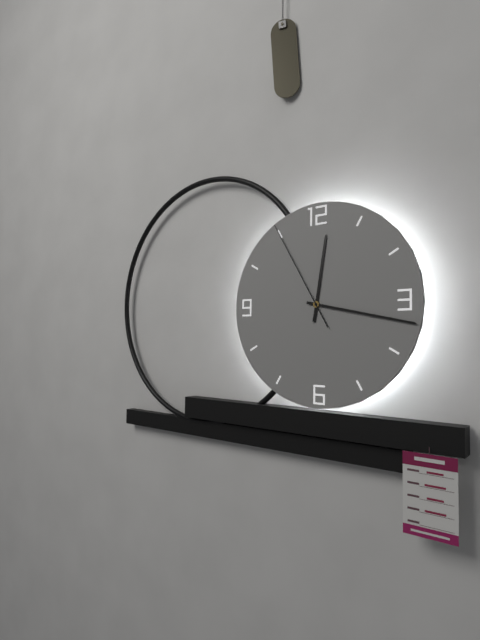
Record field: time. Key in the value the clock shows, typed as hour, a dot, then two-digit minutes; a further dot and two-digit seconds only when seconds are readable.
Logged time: 12.17.55
